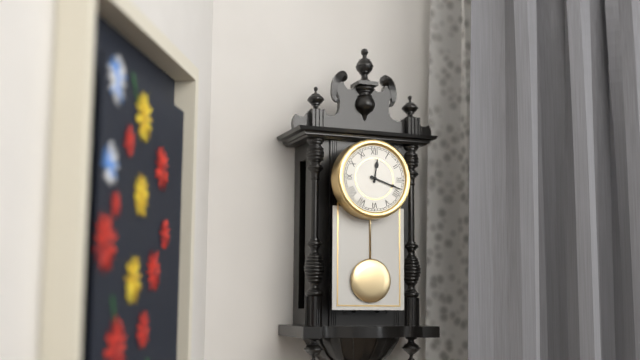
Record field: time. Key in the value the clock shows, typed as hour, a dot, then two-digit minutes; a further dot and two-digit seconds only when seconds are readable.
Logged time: 12.18
